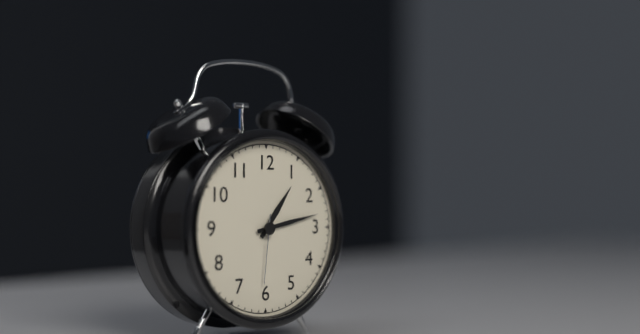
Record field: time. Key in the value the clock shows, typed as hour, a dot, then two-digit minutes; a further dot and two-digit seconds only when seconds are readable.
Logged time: 1.13.31
